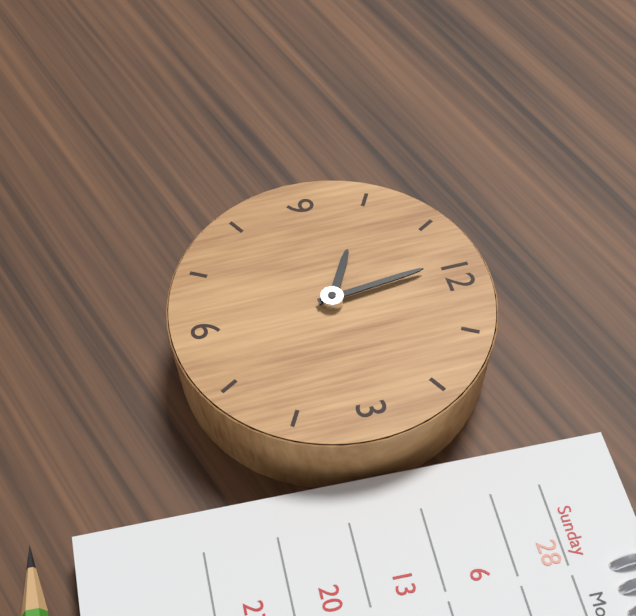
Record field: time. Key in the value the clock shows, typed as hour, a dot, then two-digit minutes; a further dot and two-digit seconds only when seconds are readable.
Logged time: 9.59
